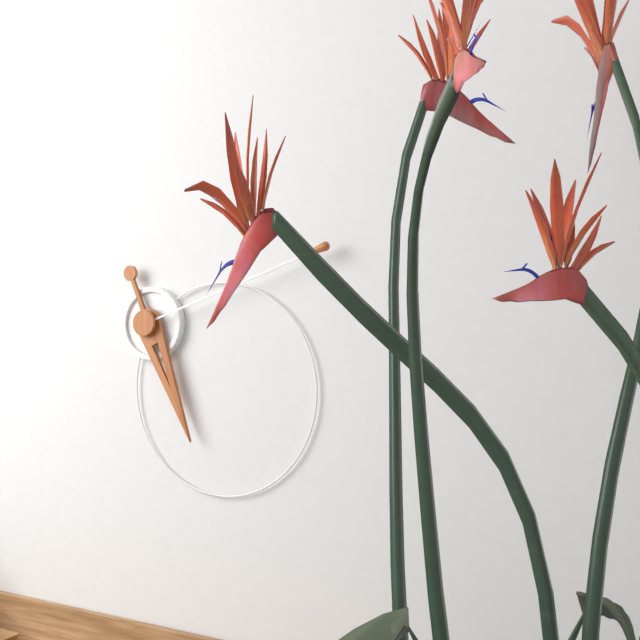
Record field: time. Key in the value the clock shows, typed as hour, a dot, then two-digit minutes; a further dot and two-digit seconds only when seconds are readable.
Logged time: 5.12
